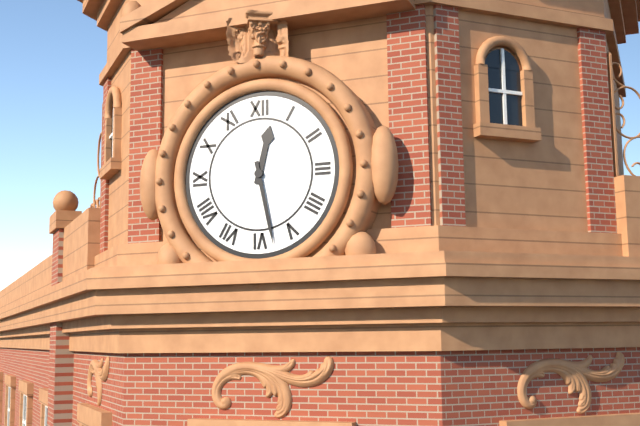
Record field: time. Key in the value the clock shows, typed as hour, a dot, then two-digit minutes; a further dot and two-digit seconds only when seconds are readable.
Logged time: 12.28
